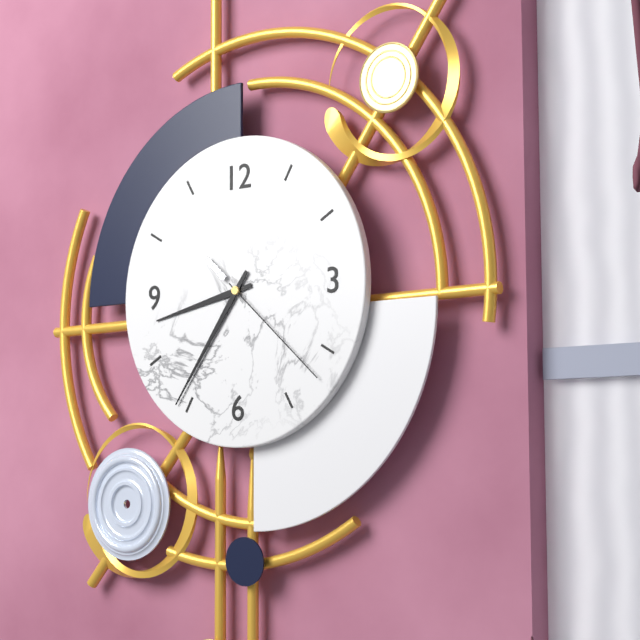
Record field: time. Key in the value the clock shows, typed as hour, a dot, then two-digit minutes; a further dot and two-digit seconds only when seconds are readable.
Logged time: 8.36.22
